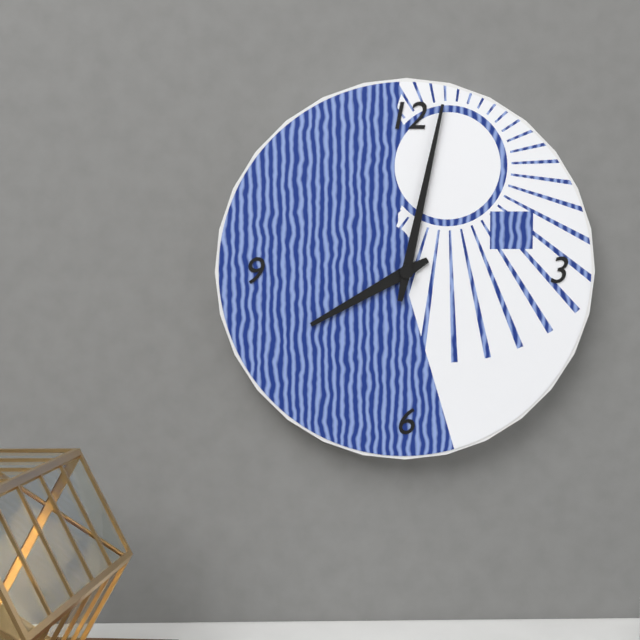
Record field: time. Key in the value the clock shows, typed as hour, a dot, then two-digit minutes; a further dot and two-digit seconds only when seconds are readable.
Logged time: 8.02
